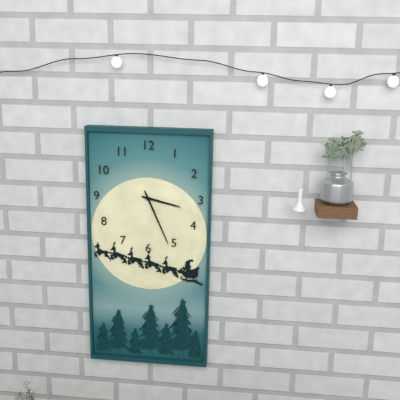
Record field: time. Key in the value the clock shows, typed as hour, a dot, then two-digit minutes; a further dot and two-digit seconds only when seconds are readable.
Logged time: 3.26
